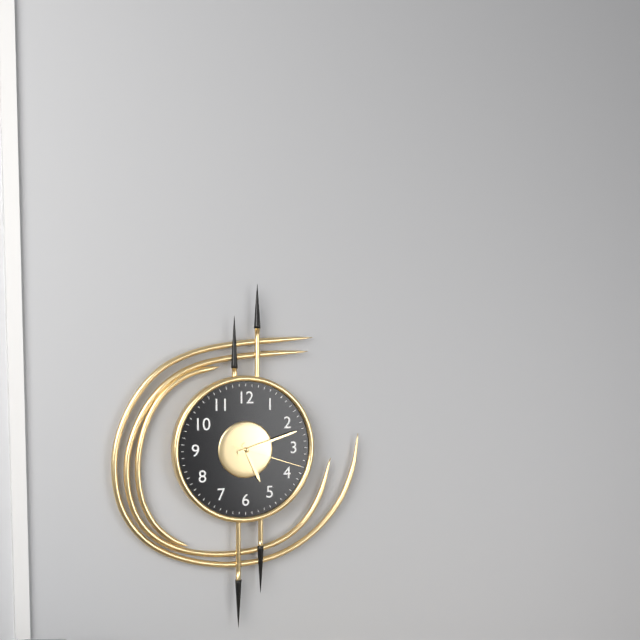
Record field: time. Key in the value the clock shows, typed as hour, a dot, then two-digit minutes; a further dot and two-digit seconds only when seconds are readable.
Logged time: 5.12.18
